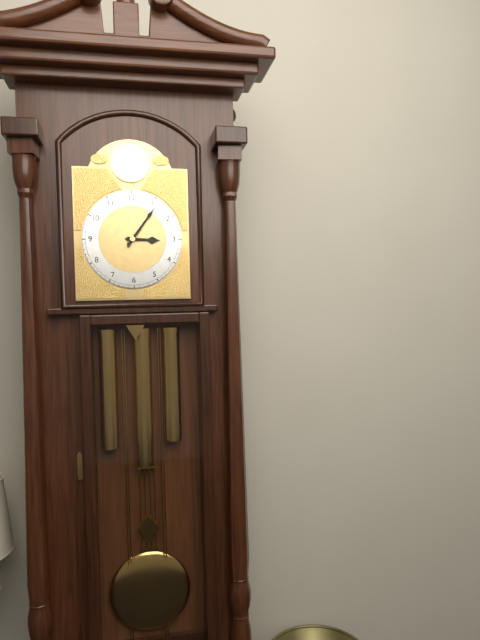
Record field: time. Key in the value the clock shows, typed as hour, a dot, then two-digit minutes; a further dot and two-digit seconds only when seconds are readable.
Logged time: 3.06
